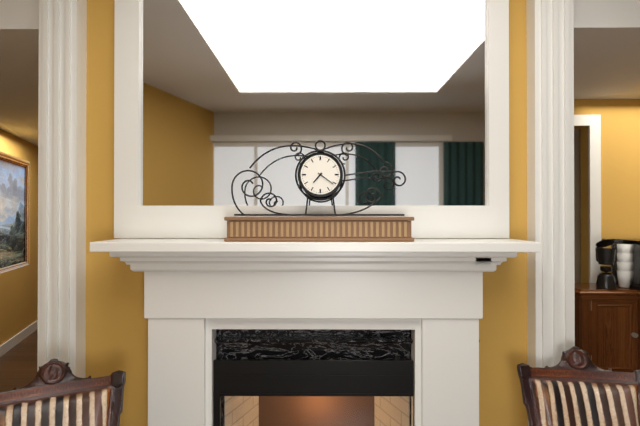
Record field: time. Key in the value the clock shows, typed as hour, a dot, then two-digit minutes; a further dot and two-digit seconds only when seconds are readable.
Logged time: 7.21
